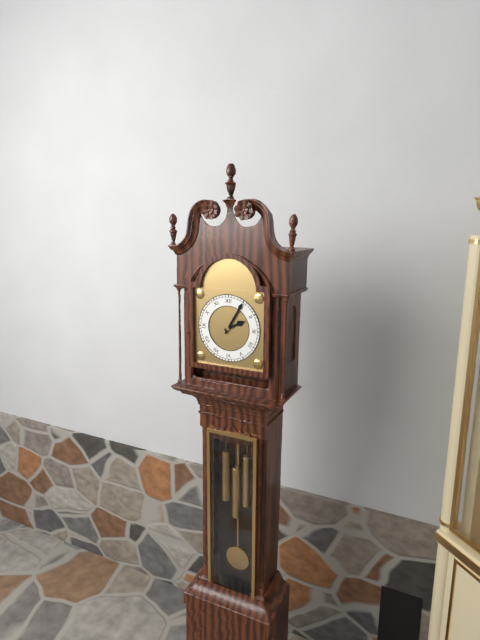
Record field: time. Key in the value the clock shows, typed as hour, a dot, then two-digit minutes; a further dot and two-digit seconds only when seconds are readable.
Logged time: 2.05
